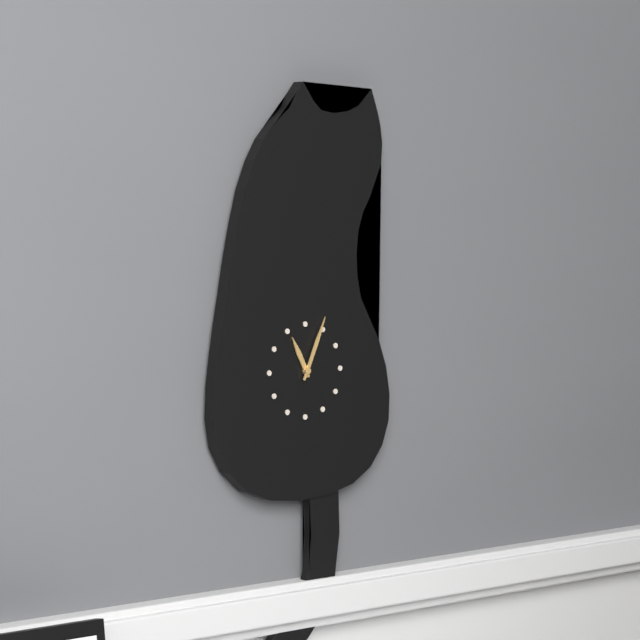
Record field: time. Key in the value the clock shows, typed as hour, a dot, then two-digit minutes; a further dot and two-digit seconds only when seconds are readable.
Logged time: 11.04
